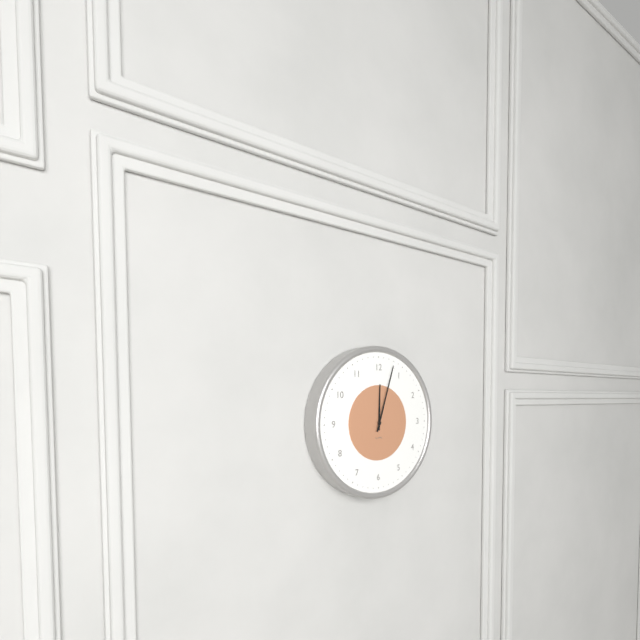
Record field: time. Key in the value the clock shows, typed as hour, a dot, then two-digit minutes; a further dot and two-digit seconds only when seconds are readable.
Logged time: 12.03
